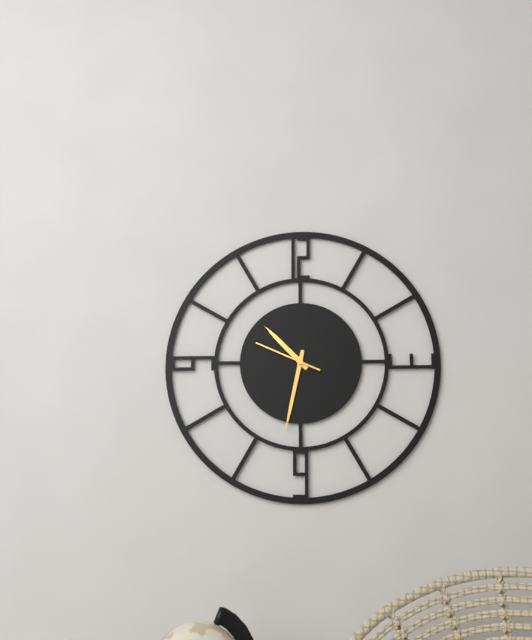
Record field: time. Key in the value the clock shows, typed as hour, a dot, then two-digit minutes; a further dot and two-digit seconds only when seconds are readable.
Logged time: 10.32.49
